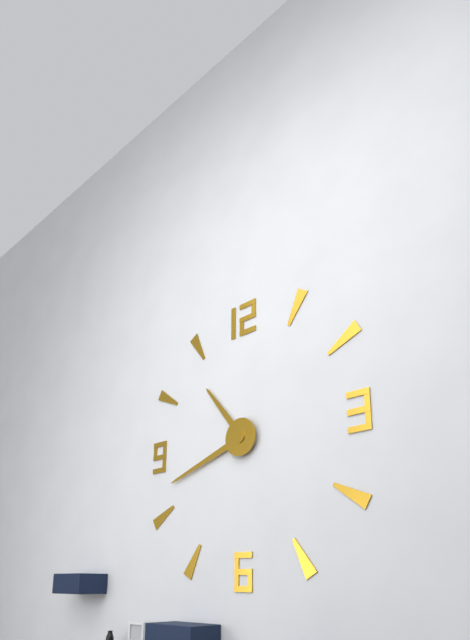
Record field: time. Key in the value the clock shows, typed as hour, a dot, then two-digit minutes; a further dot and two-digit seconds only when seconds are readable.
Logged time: 10.42
